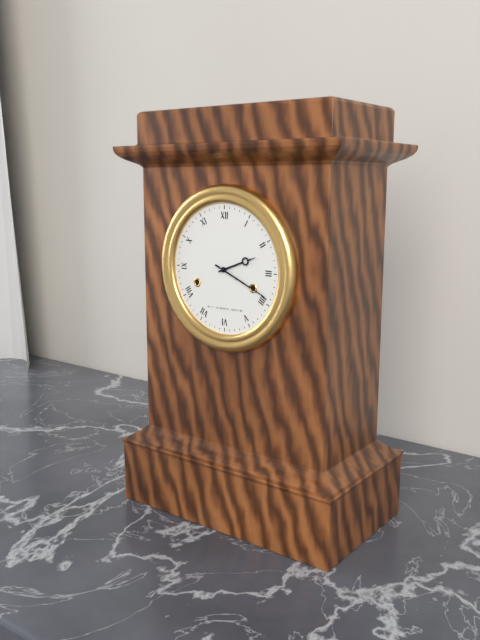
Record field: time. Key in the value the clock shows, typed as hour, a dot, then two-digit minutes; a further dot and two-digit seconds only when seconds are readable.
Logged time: 2.19
